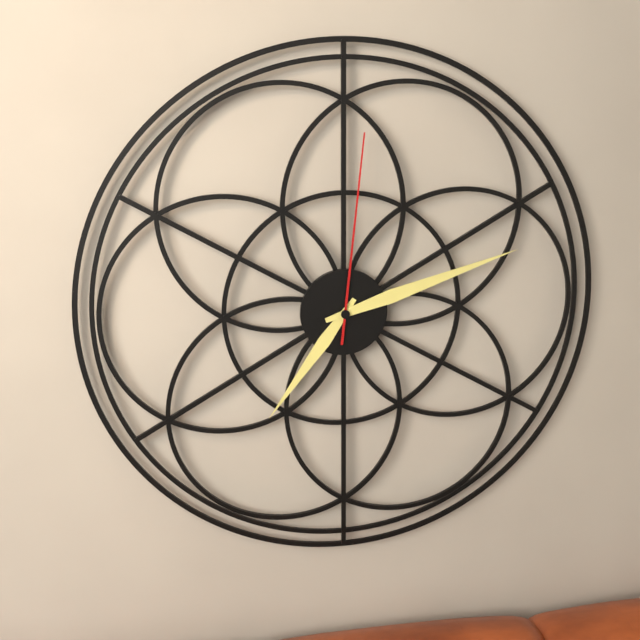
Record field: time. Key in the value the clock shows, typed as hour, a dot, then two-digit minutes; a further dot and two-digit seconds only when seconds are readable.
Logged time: 7.12.01
